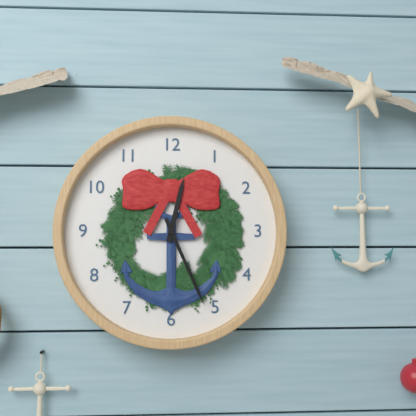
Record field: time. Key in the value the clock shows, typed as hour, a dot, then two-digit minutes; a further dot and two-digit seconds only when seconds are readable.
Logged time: 12.26
